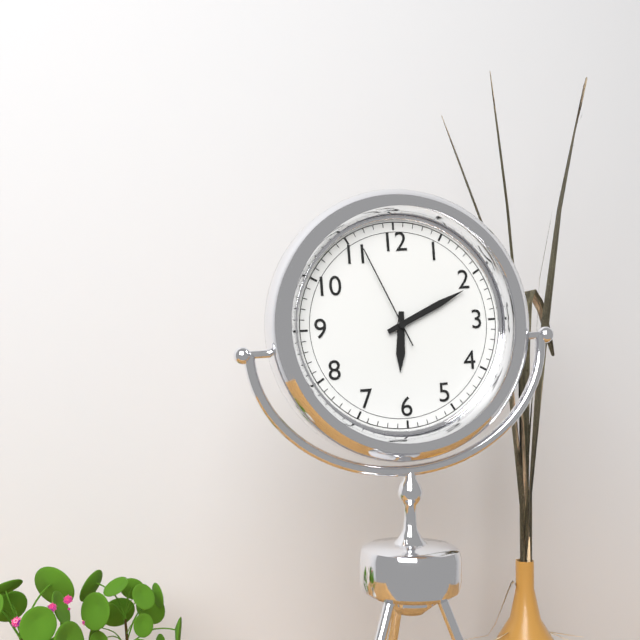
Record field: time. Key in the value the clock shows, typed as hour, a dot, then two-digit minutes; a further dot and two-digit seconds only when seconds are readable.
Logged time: 6.11.56
